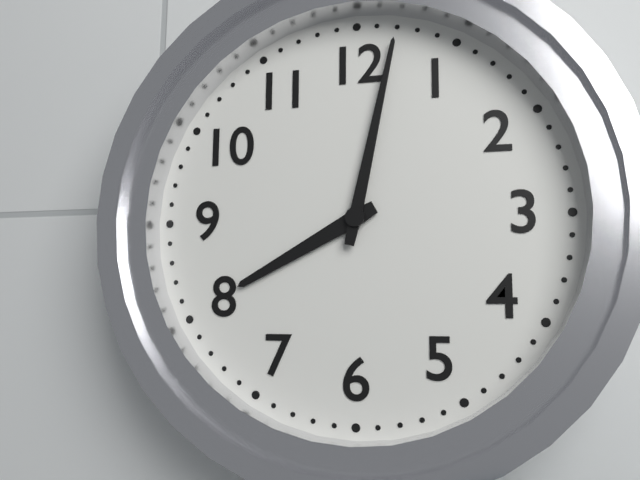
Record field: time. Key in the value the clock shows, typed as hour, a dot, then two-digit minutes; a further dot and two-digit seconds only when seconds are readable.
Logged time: 8.02
